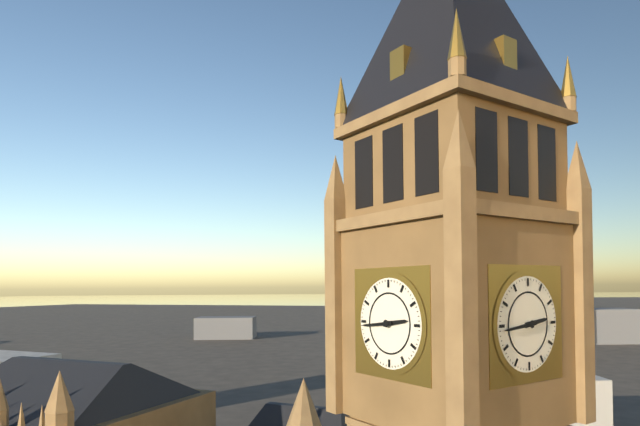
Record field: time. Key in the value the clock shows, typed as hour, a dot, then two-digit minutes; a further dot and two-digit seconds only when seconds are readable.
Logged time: 2.44
